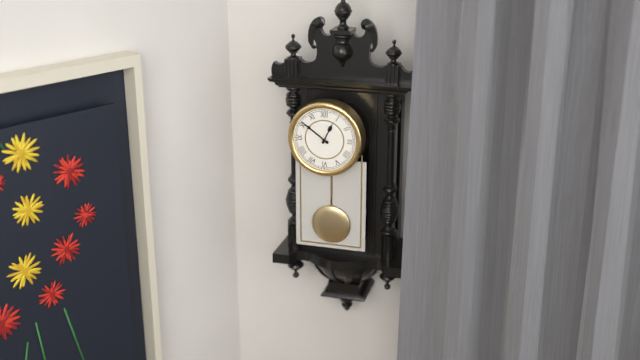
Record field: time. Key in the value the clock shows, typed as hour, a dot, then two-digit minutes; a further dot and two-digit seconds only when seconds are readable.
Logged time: 12.51
